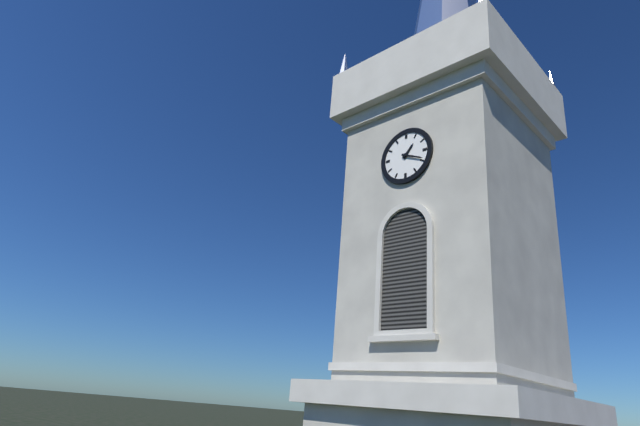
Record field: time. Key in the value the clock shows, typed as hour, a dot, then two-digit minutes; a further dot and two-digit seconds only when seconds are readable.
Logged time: 1.19
